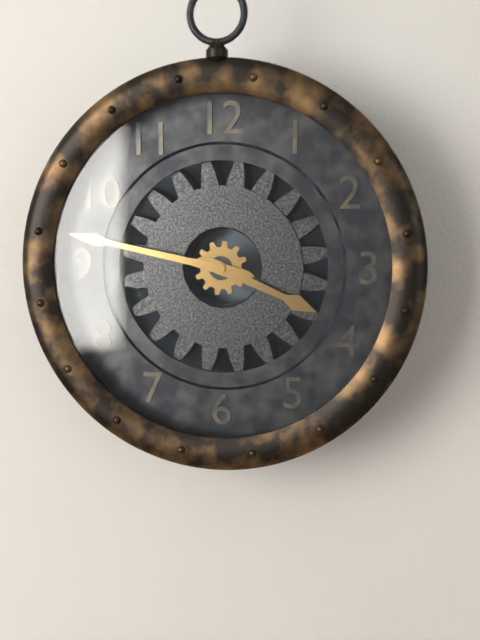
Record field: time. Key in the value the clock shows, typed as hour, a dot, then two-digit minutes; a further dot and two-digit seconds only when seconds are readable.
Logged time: 3.47
